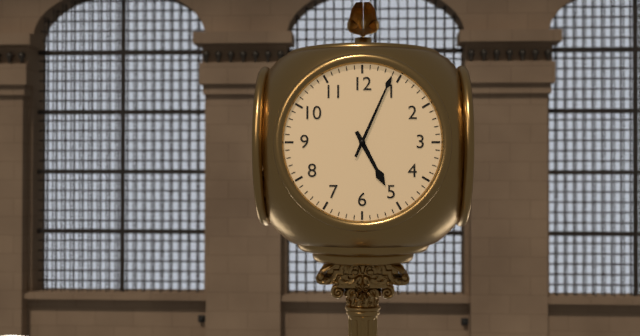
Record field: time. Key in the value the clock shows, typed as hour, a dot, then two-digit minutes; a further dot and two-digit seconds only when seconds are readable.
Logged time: 5.04
